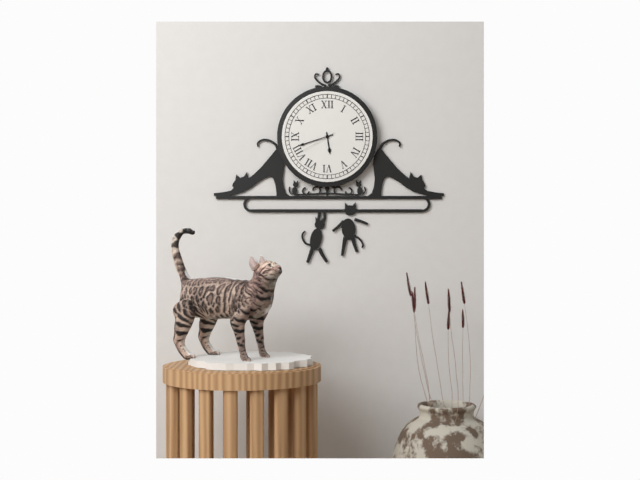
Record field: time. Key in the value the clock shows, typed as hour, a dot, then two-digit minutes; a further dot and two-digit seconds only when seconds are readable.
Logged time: 5.42
